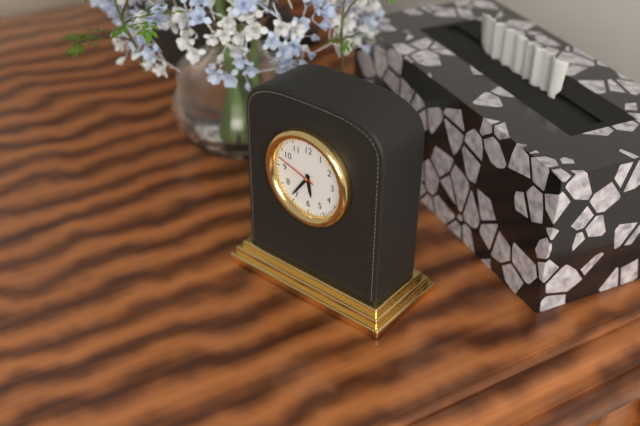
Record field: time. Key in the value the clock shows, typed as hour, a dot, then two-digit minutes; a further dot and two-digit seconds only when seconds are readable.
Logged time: 5.36
